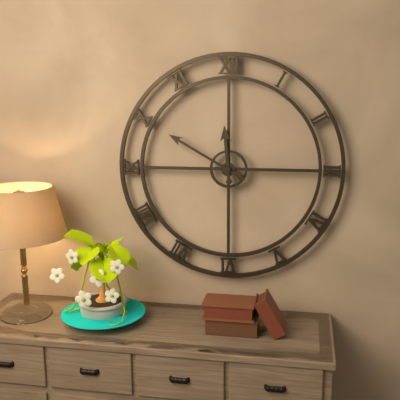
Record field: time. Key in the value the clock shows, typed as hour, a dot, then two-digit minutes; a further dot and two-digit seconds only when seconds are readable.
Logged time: 11.50
